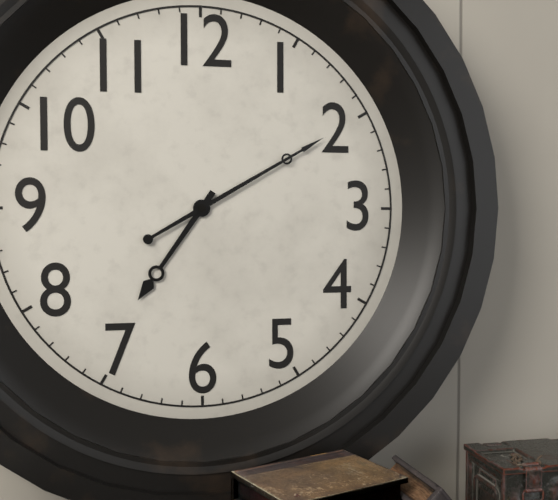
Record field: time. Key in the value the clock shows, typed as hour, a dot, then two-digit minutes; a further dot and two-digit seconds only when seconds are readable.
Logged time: 7.10
